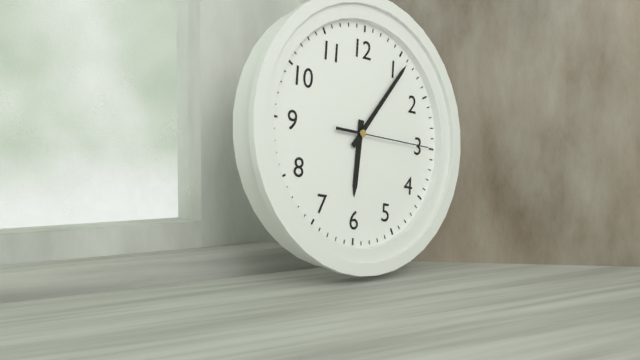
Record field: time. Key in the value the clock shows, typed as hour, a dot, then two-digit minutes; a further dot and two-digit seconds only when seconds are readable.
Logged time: 6.06.15
